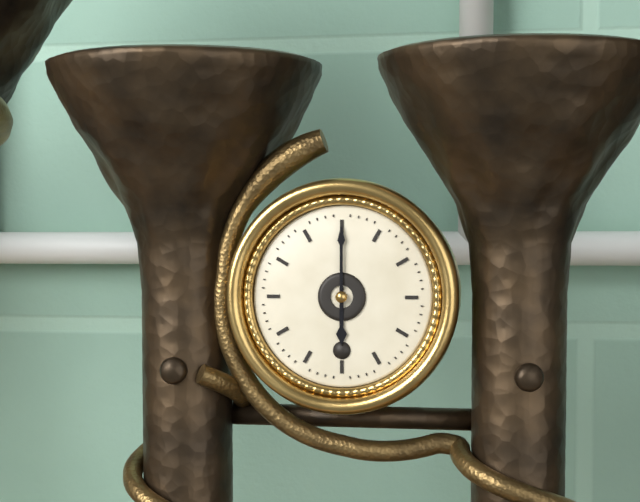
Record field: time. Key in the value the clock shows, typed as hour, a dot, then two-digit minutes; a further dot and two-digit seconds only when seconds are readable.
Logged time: 6.00
